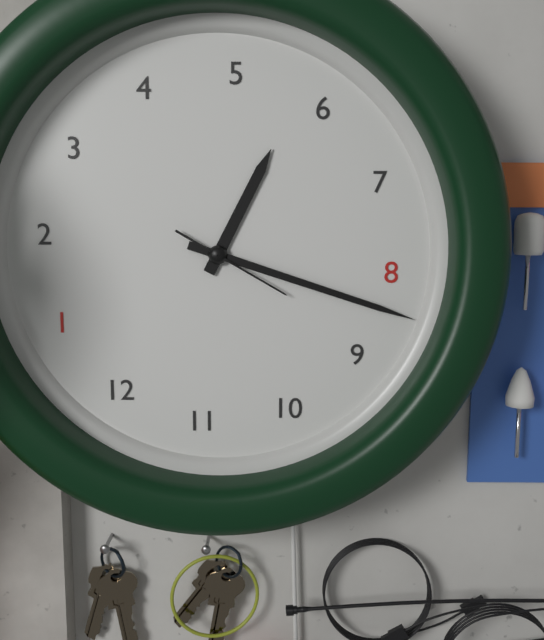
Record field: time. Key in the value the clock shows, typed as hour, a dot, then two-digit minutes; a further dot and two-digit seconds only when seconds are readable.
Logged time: 5.42.44
